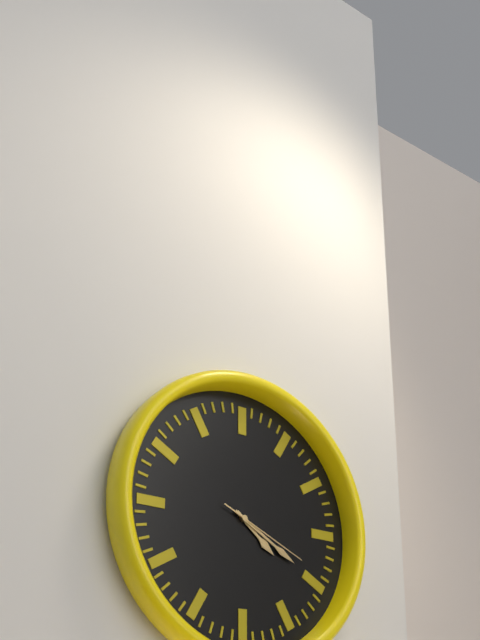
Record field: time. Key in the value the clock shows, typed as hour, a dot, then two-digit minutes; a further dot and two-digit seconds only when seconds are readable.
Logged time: 4.20.19
